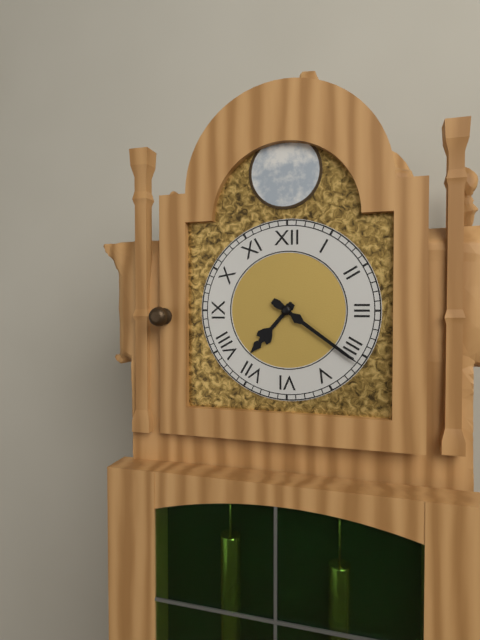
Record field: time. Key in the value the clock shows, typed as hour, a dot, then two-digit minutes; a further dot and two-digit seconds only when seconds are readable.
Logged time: 7.21
